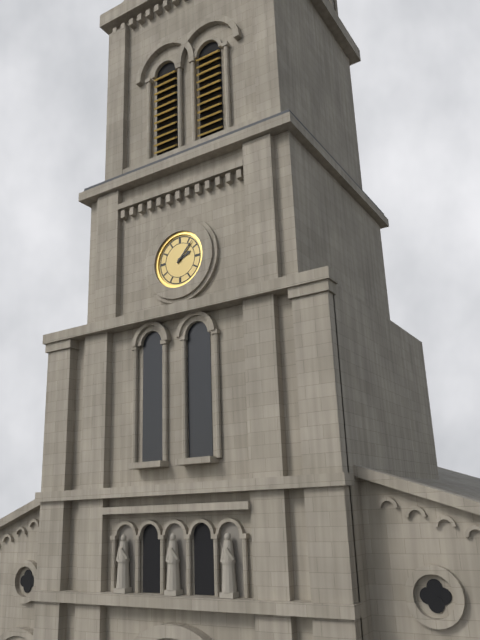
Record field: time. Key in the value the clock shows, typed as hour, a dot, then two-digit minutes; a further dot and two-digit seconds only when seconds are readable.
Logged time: 2.07
